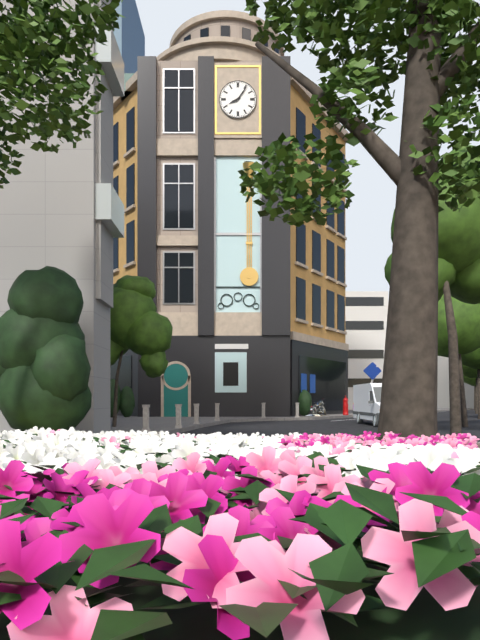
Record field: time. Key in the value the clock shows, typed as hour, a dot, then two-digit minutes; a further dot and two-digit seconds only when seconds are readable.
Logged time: 8.06
